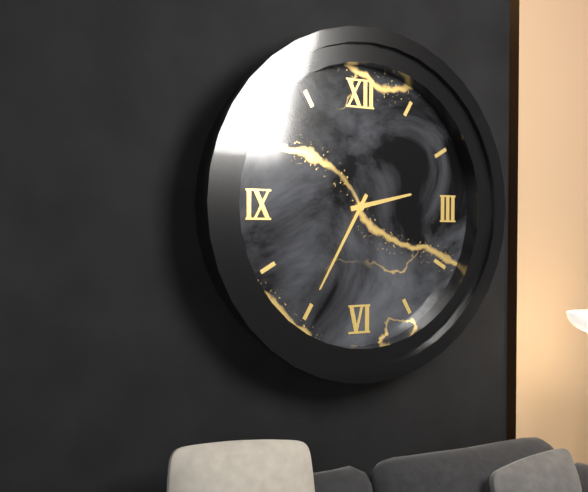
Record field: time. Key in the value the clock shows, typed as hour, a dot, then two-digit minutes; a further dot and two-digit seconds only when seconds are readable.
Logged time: 2.35
